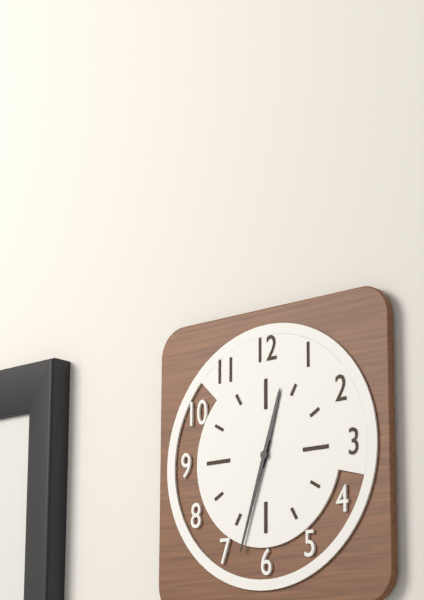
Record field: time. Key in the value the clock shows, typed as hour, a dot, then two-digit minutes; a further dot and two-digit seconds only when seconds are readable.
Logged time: 12.33
